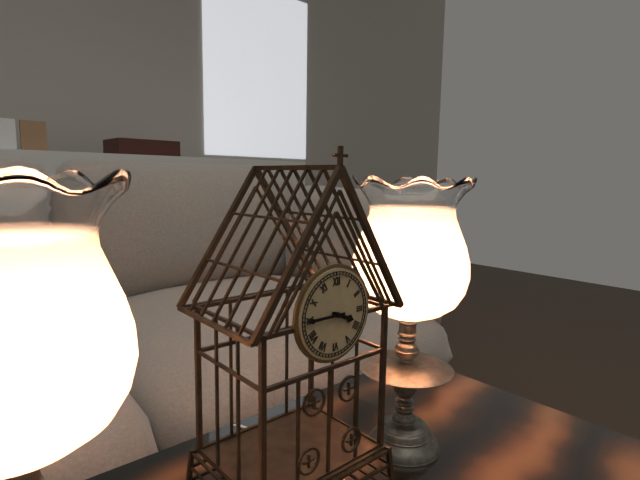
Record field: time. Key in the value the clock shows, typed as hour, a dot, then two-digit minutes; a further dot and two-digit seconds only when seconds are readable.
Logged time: 3.45
